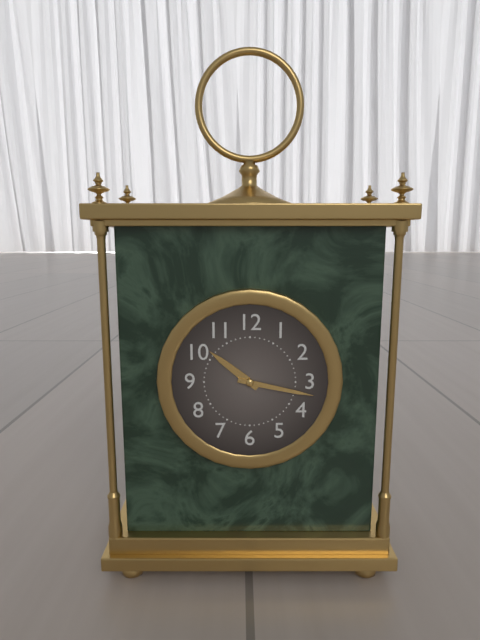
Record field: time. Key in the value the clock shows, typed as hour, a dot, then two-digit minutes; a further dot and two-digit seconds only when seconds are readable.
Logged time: 10.17
